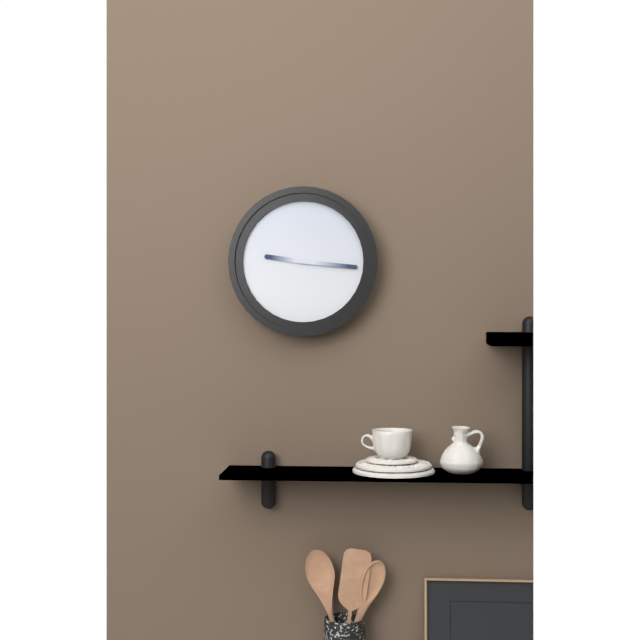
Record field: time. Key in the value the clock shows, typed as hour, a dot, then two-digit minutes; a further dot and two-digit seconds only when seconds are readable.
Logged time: 9.16
